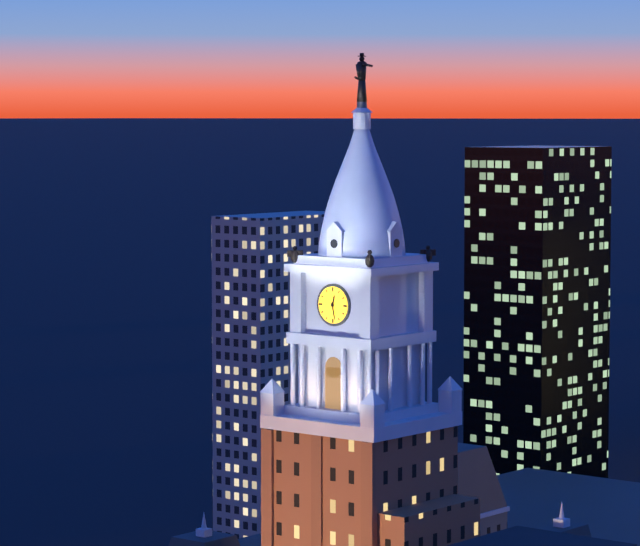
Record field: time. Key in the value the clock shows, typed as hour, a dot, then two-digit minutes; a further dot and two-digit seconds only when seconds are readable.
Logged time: 12.28
